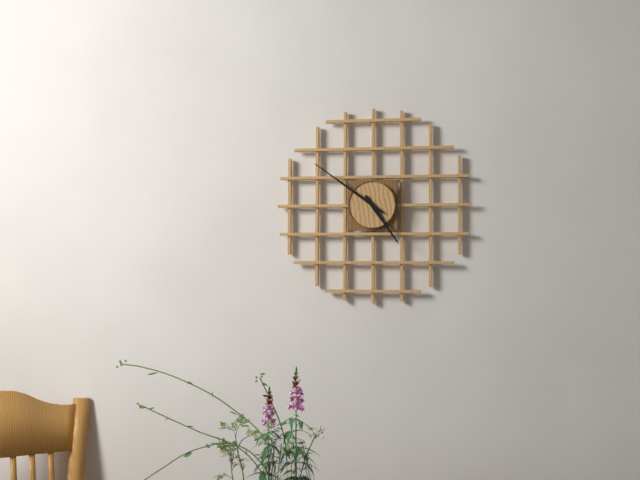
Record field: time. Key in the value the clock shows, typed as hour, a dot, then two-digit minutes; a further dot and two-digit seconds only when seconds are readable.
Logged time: 4.51
